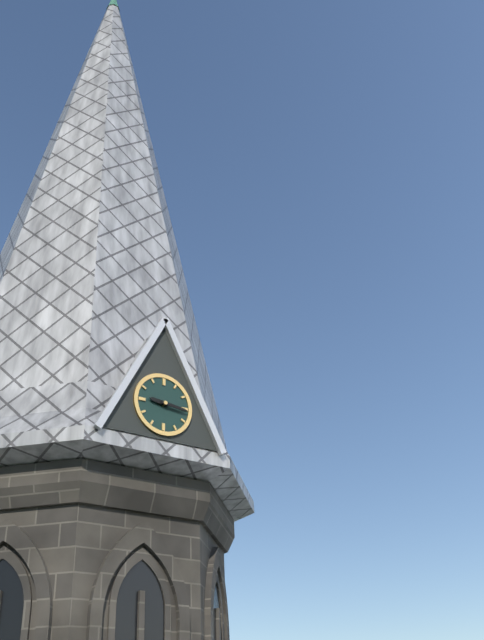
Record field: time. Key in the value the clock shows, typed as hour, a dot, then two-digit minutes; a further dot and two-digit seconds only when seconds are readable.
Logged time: 9.16
